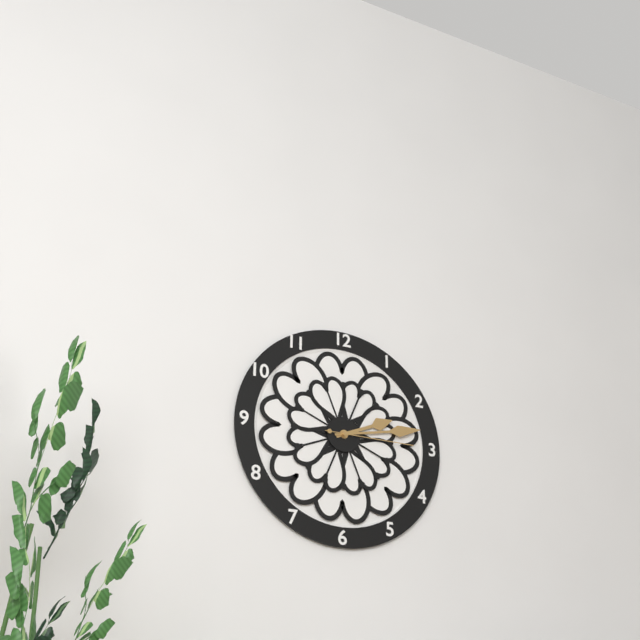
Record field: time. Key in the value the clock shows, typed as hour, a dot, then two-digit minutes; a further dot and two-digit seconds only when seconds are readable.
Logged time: 2.13.15
